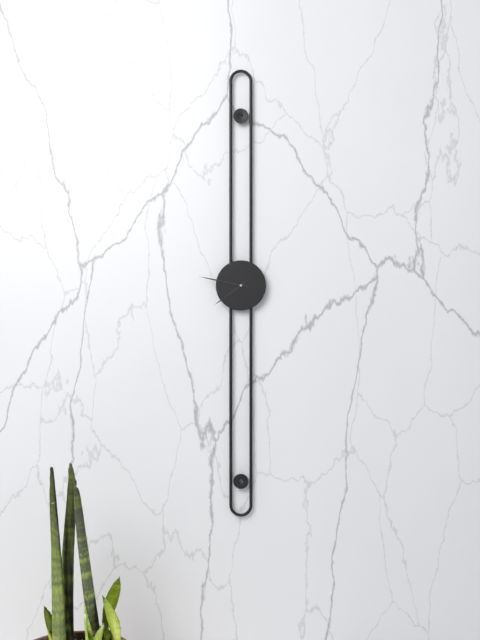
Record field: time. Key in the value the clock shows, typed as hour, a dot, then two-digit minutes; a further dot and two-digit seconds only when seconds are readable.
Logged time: 7.47
